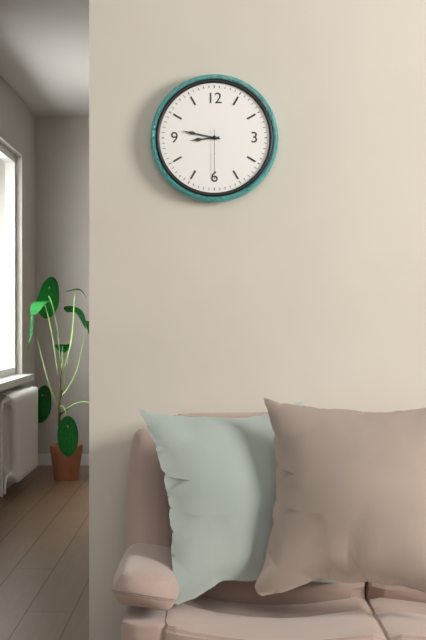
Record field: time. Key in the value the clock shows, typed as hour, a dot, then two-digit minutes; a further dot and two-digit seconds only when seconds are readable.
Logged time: 8.47.30
